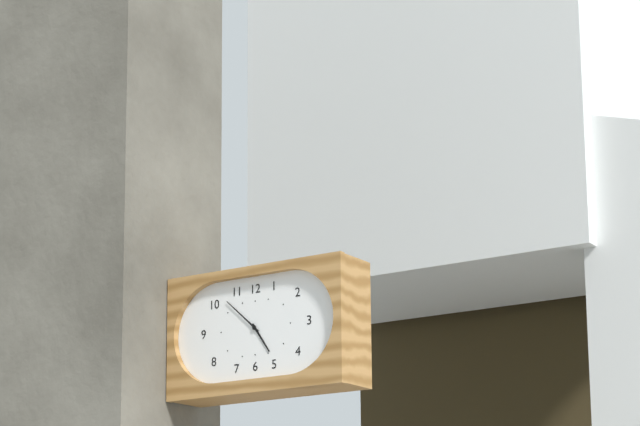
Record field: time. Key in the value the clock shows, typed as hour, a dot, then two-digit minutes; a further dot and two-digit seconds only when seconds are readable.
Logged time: 4.52
